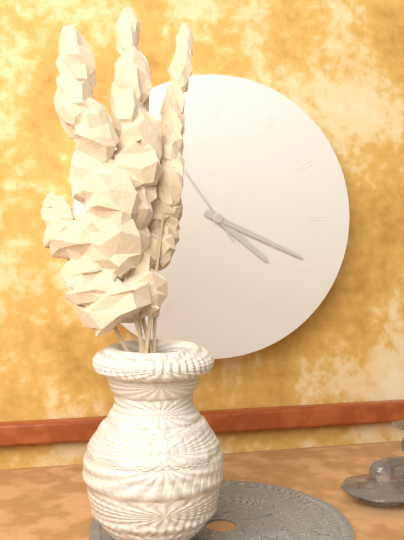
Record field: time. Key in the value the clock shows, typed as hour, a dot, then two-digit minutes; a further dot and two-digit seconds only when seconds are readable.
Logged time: 4.19
